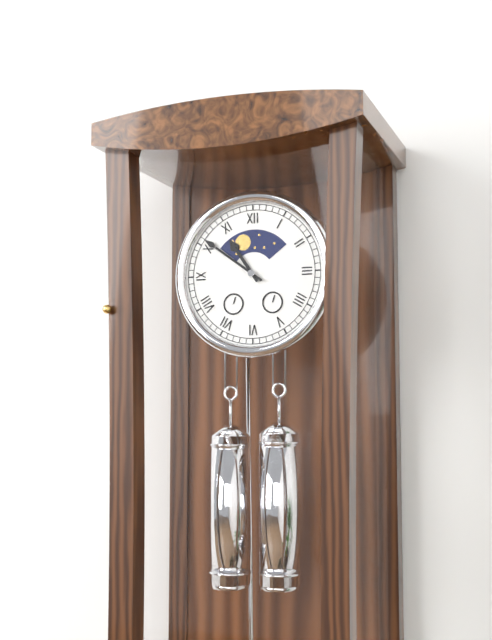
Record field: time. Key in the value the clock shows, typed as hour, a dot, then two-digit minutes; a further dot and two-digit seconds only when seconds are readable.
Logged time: 10.51
